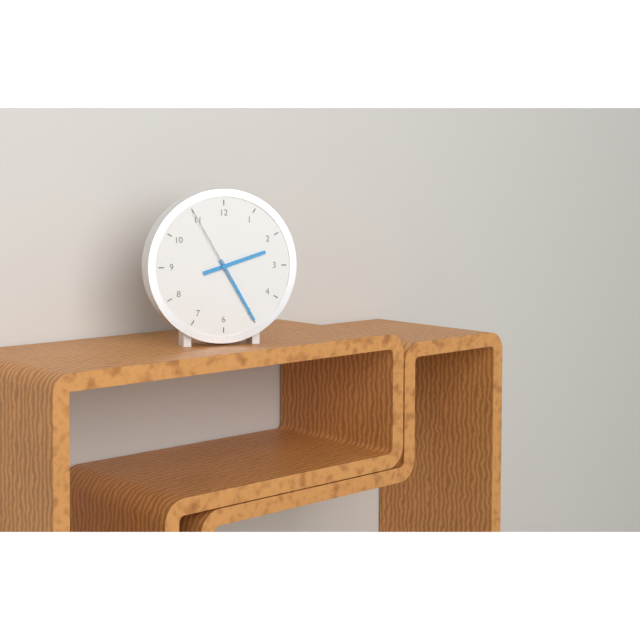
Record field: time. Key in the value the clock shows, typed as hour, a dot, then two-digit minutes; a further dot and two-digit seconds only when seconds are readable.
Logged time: 2.25.55
